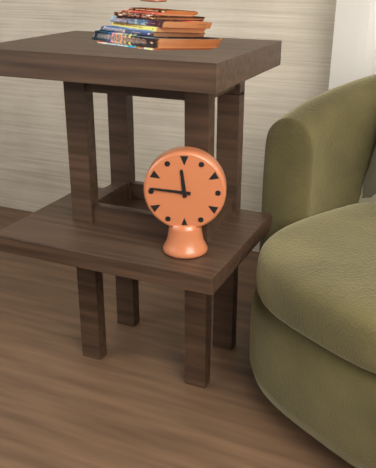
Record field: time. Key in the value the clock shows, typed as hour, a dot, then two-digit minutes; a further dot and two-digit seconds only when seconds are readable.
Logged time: 11.46
